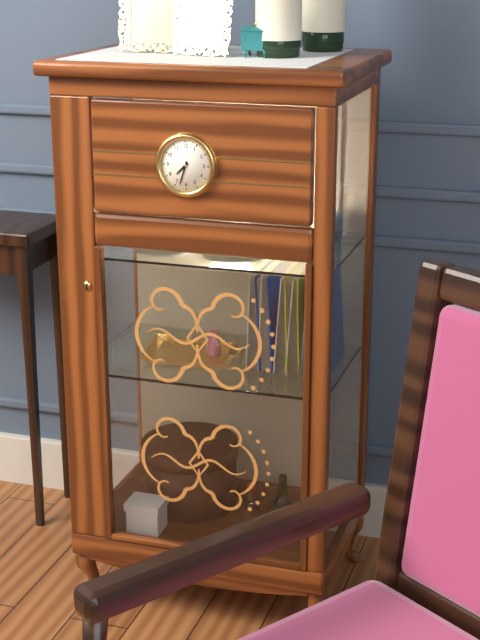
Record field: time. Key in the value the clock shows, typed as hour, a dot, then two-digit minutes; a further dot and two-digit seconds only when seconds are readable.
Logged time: 7.33
